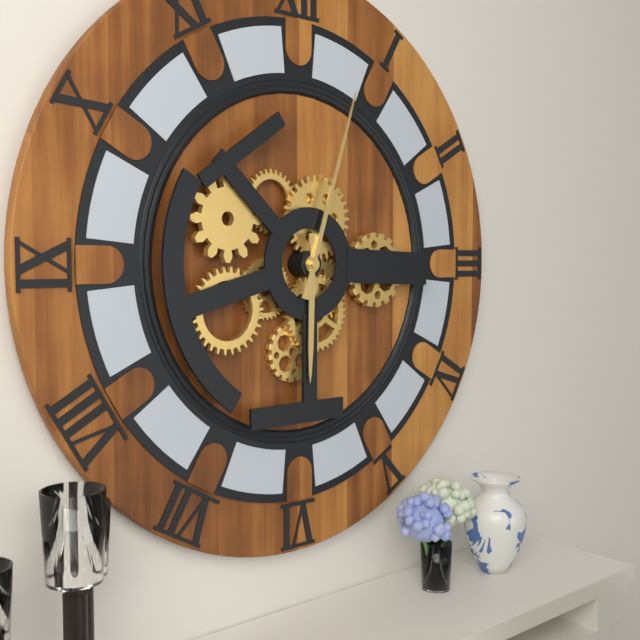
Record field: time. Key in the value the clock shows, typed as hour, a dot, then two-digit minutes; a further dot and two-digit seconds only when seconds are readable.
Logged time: 6.03
